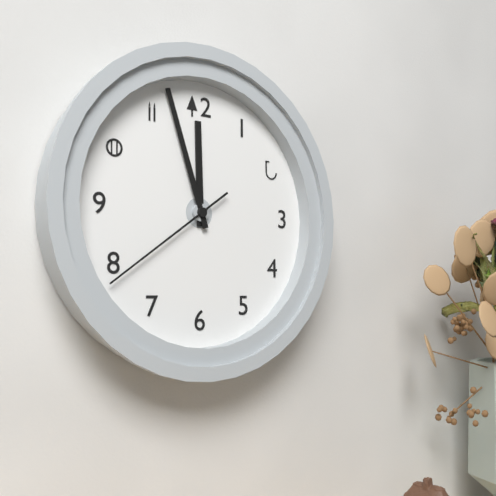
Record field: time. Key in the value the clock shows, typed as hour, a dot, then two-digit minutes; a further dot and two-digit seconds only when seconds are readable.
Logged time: 11.57.39
